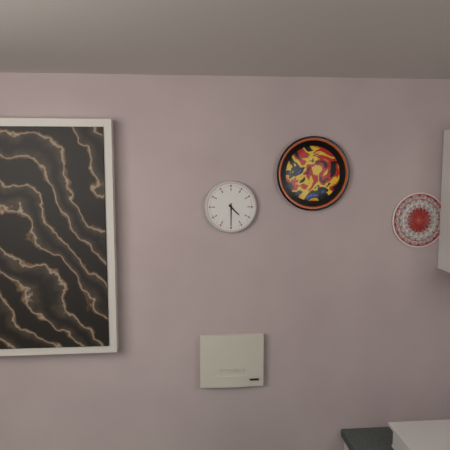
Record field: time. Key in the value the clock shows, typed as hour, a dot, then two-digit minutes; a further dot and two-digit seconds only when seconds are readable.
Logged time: 4.30
